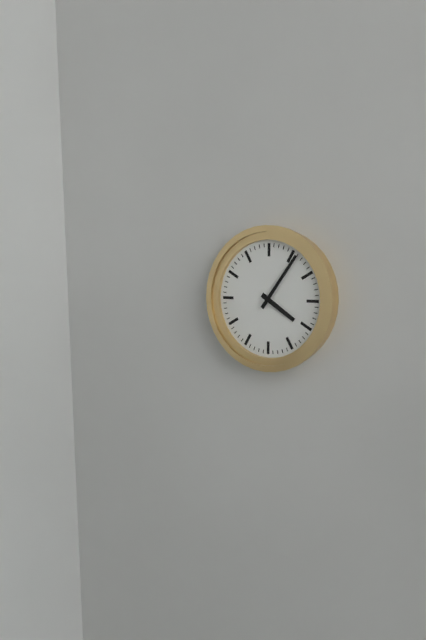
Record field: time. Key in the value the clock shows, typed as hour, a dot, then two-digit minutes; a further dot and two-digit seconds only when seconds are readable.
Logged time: 4.06
